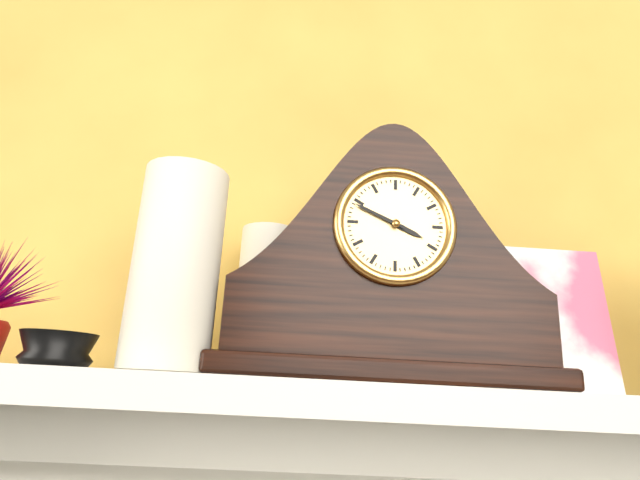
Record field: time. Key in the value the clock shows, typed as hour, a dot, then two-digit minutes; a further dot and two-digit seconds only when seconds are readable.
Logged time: 3.49
